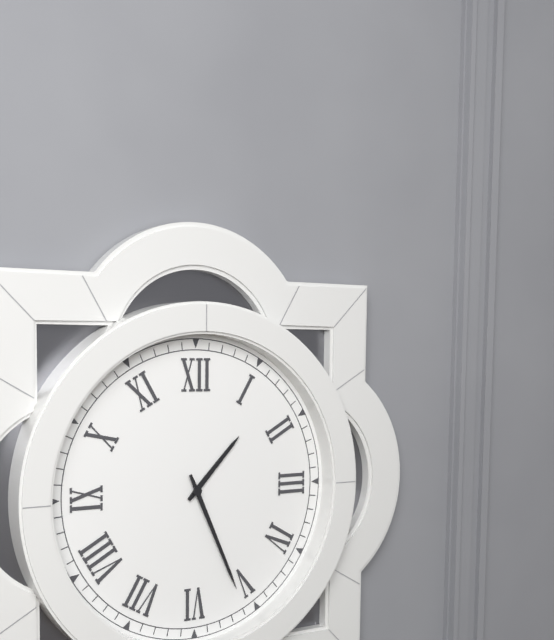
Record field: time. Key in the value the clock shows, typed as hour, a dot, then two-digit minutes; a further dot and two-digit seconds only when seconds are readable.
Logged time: 1.26
